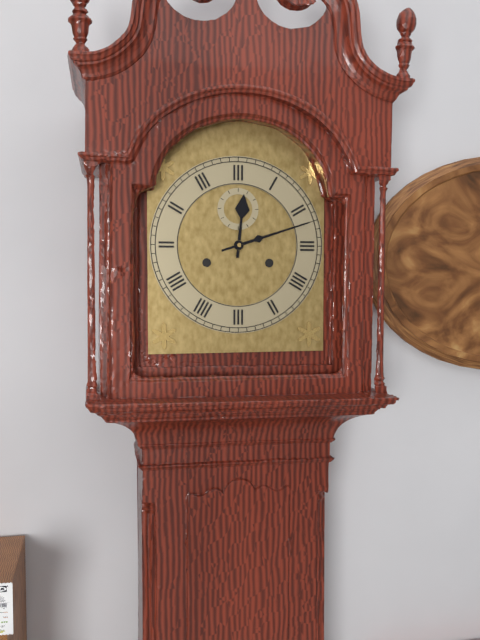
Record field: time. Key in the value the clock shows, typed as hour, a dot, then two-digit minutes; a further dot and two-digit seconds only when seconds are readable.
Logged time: 12.12
